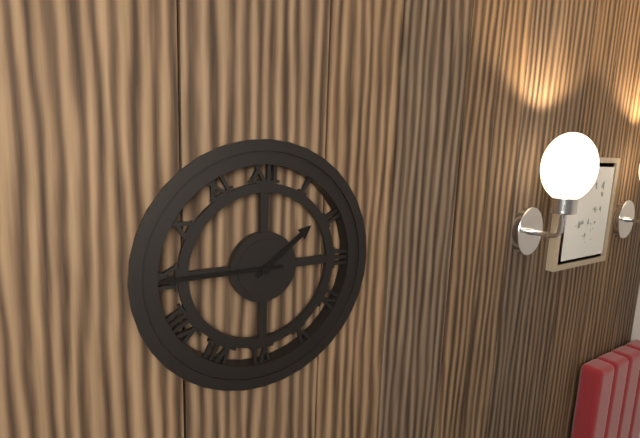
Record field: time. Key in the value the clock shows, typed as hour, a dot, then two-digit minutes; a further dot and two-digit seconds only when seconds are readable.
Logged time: 1.45
